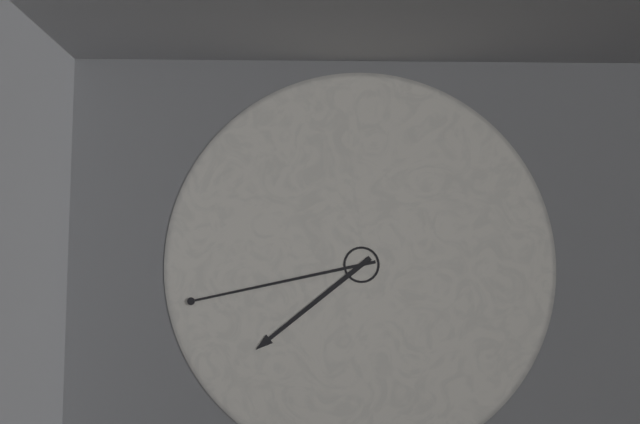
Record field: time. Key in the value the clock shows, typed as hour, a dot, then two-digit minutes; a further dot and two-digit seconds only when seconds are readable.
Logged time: 7.43
